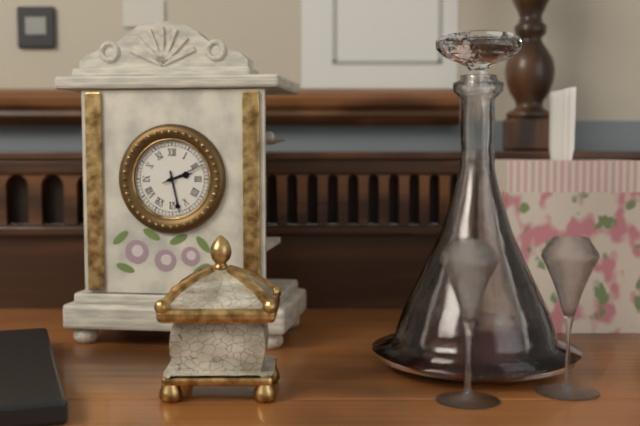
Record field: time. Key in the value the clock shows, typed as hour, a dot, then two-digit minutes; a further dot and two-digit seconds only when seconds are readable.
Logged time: 2.28
